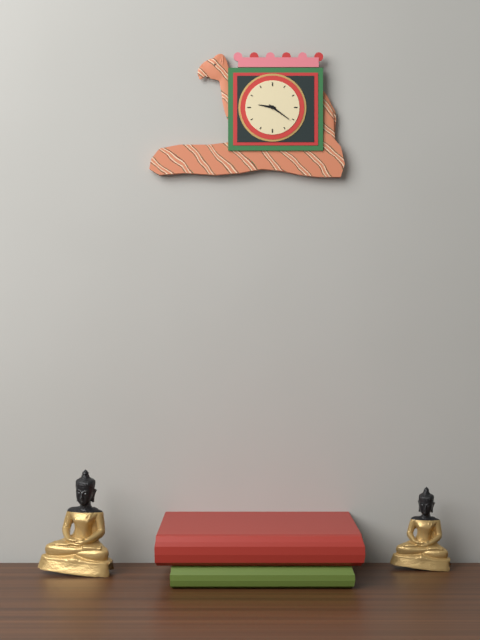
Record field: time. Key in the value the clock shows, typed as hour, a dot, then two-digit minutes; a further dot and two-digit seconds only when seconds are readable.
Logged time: 9.21
